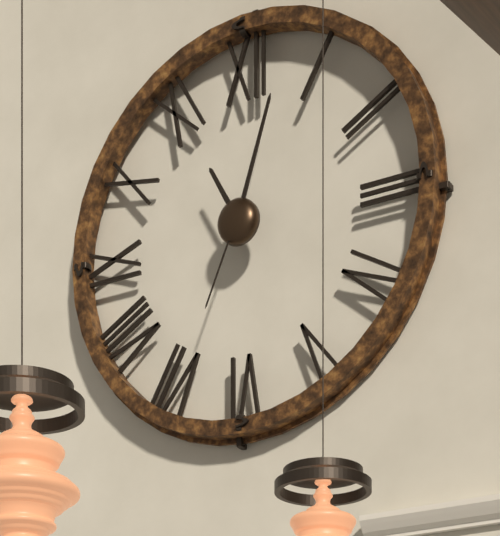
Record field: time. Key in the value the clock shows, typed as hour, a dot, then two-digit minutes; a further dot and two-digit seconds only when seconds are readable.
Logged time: 11.03.34
